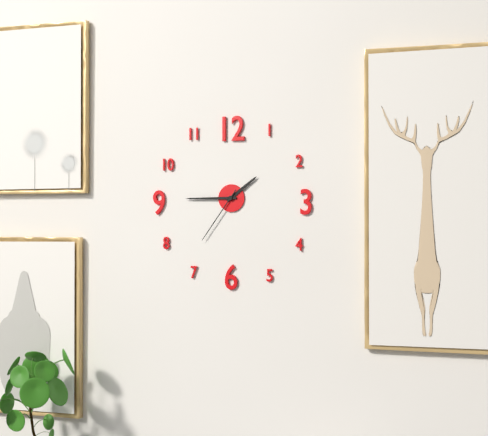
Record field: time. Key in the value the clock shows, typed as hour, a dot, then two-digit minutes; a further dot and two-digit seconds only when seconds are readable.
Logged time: 1.45.36
